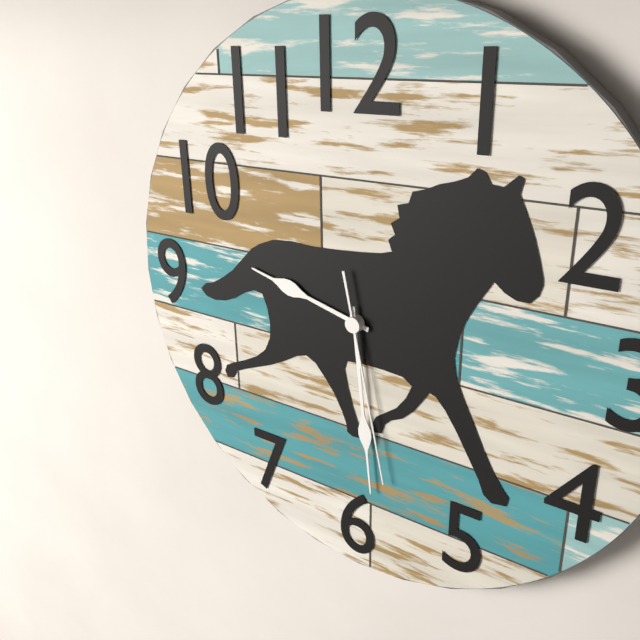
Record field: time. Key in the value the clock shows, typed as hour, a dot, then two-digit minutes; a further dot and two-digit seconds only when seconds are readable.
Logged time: 9.29.28
